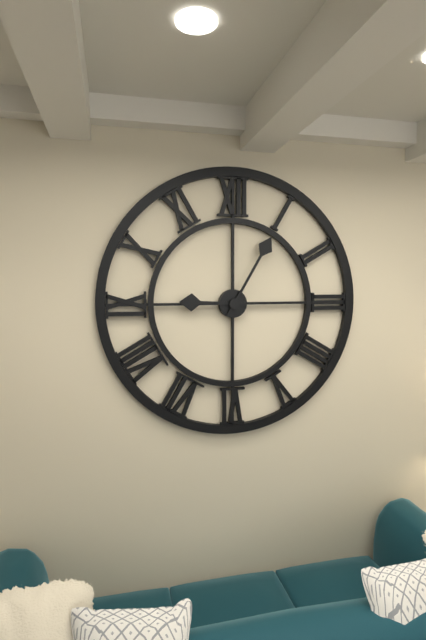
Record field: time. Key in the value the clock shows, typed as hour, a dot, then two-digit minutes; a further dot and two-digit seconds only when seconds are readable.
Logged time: 9.05
